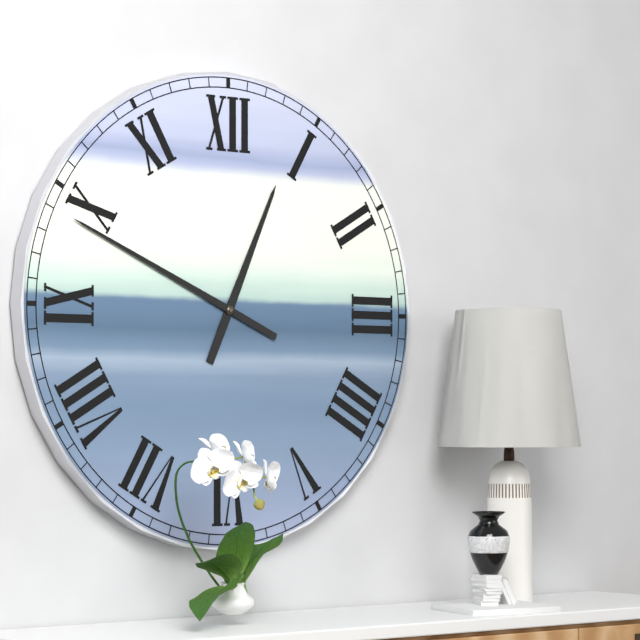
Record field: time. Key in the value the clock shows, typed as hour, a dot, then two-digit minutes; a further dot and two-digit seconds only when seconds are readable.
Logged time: 12.49
